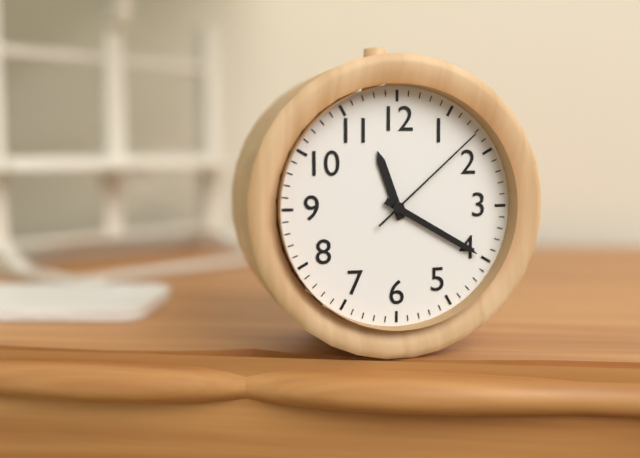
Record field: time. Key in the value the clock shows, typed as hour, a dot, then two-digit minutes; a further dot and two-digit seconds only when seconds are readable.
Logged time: 11.20.08
